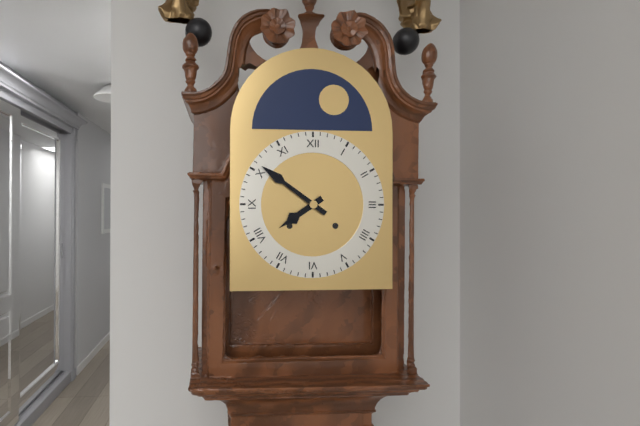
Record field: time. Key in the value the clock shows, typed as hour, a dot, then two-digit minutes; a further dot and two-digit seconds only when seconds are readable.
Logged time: 7.51
